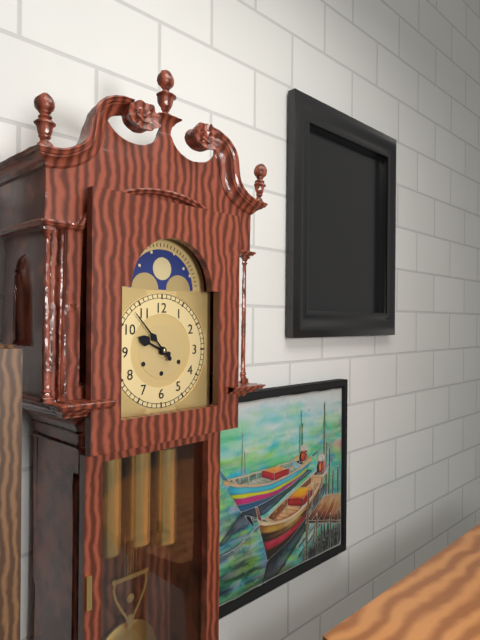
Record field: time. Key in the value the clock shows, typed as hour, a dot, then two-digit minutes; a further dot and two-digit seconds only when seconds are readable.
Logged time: 9.53
